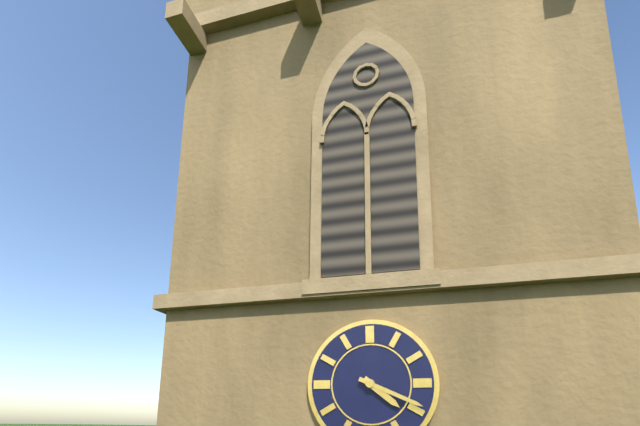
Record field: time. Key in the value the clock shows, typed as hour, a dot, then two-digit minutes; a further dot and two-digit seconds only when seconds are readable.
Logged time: 4.19
